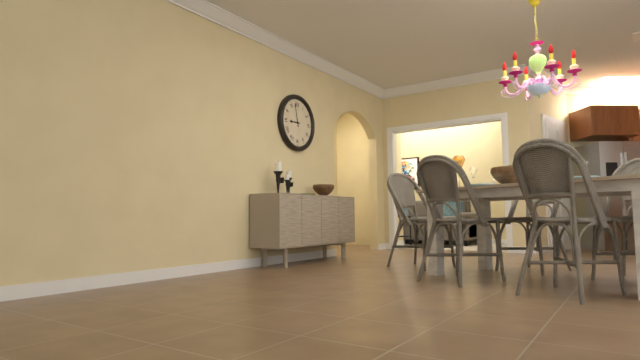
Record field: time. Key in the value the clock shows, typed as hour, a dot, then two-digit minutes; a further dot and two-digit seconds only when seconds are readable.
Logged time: 8.58
